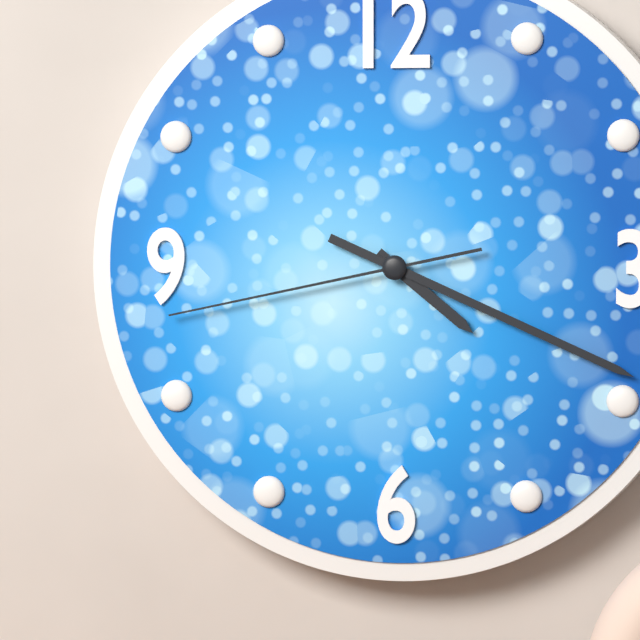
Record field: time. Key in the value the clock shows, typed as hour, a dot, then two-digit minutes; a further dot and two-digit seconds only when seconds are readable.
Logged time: 4.19.43
